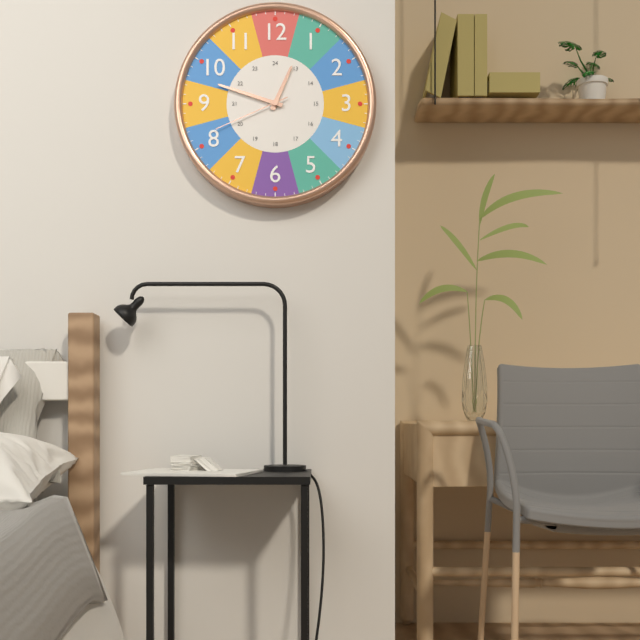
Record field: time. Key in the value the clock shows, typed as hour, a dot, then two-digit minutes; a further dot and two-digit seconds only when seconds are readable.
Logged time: 12.48.41
